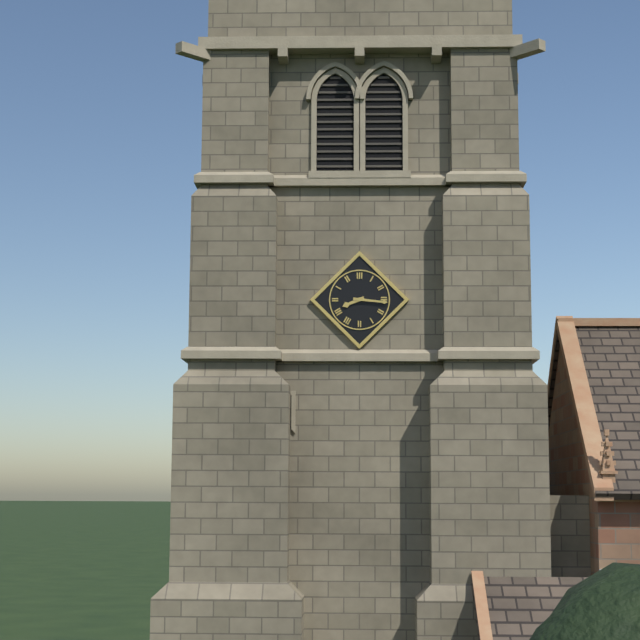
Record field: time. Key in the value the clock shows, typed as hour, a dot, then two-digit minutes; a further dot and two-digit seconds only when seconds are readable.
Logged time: 8.16
